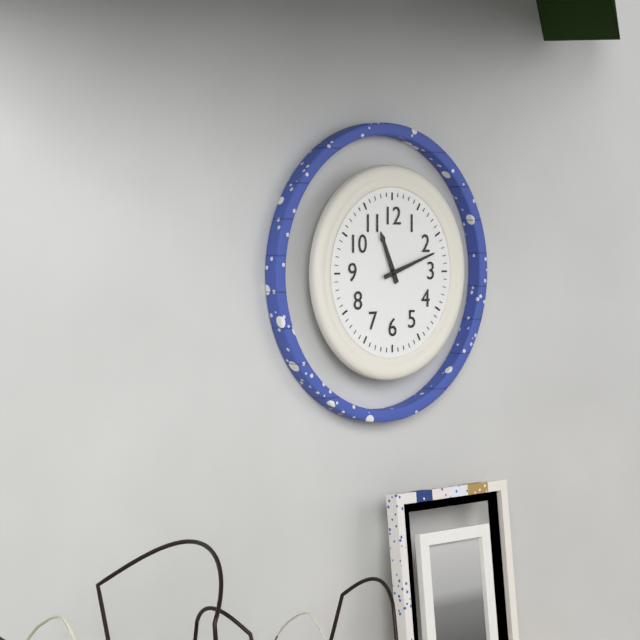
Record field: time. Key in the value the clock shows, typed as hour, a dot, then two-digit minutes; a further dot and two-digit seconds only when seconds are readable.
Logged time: 11.12
